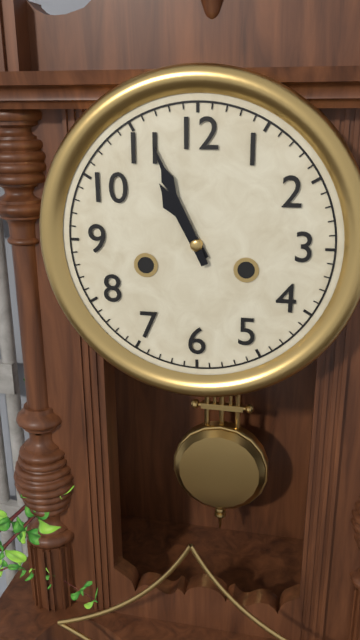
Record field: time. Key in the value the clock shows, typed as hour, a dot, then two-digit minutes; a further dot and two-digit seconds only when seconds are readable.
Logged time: 10.56
